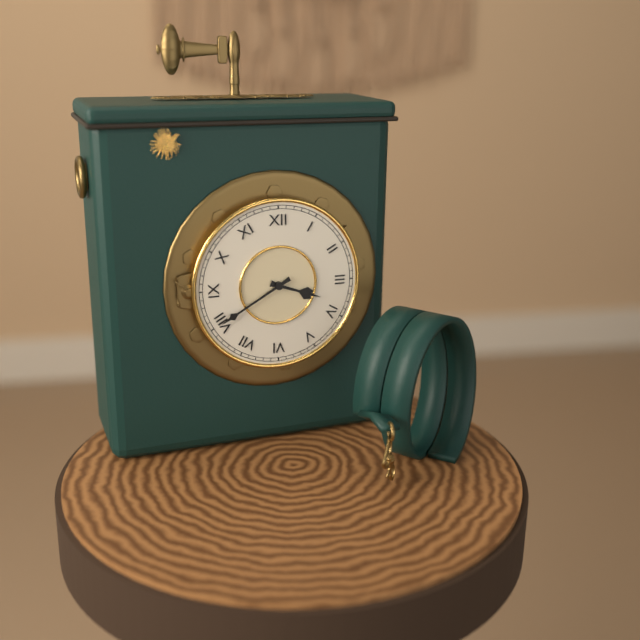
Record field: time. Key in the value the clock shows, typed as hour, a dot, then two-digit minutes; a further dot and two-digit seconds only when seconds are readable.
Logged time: 3.40
